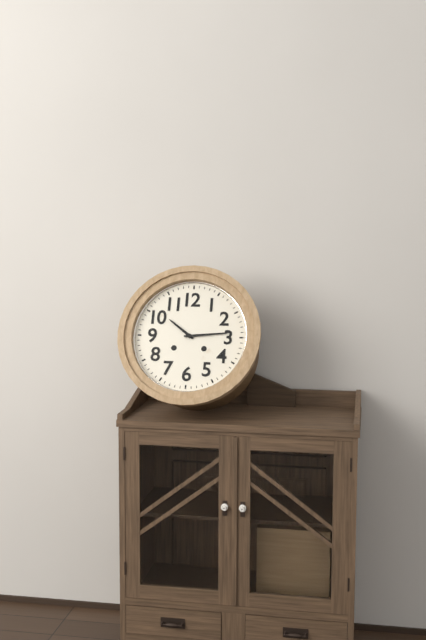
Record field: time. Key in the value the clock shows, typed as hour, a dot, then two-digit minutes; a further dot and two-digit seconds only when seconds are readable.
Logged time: 10.14
